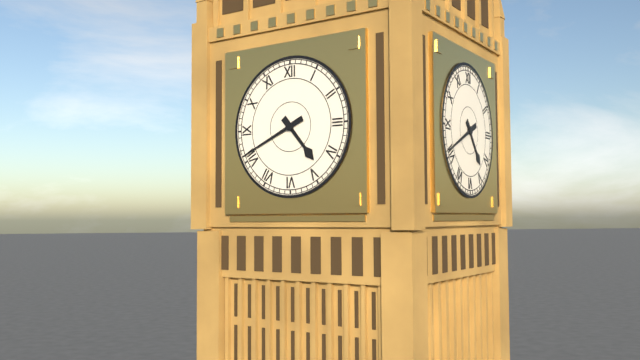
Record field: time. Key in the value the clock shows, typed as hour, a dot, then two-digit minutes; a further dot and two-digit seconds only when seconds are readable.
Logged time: 4.41
